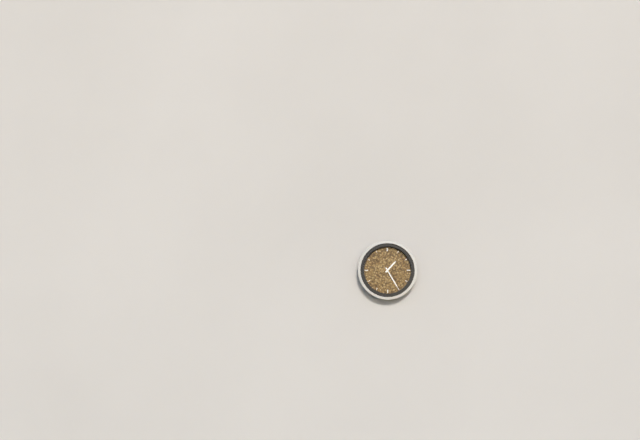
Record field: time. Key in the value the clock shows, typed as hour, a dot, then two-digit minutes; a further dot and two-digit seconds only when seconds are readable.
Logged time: 1.25
